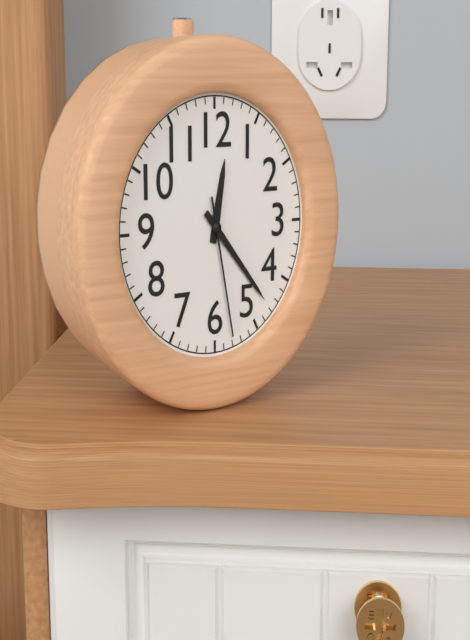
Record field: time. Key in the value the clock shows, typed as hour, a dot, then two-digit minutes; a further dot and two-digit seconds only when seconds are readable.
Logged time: 12.23.28
